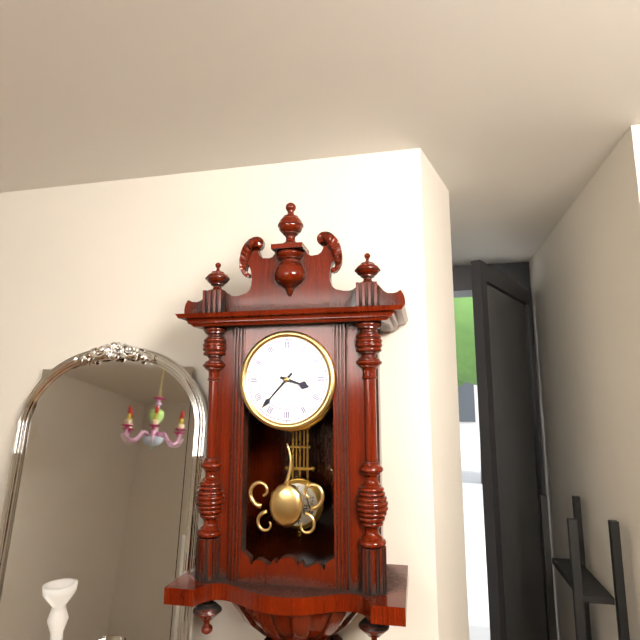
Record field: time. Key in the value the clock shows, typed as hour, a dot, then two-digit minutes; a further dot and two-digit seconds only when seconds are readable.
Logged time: 3.37
